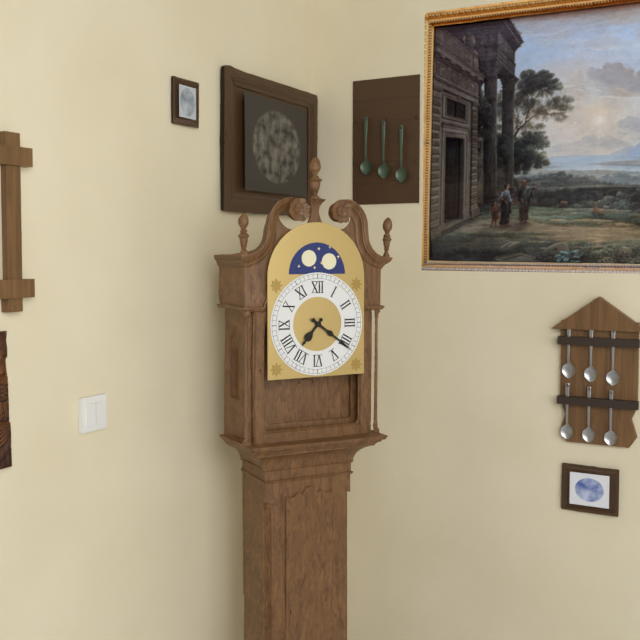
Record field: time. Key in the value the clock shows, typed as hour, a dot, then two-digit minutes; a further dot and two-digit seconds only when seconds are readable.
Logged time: 7.21
